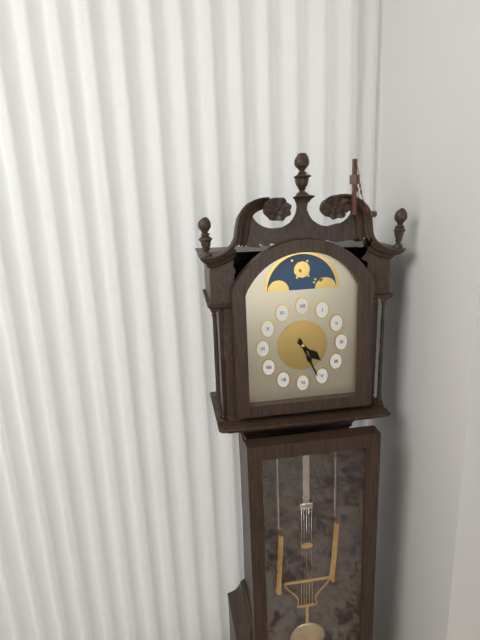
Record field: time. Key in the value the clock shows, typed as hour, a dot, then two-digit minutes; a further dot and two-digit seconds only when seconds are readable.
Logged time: 4.26
